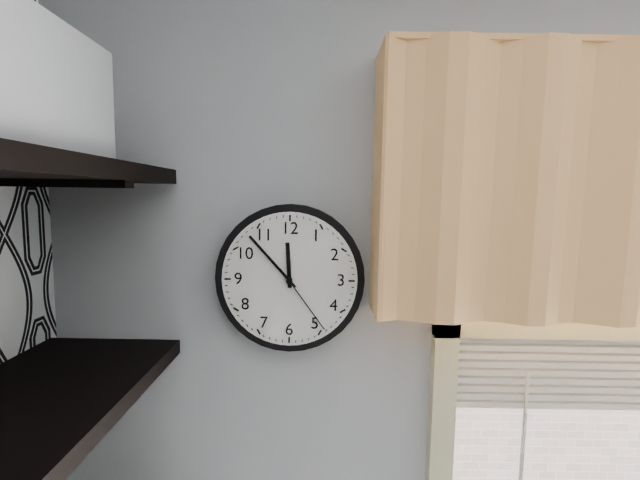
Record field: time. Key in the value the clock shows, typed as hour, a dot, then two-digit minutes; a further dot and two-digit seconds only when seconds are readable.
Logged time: 11.53.24
